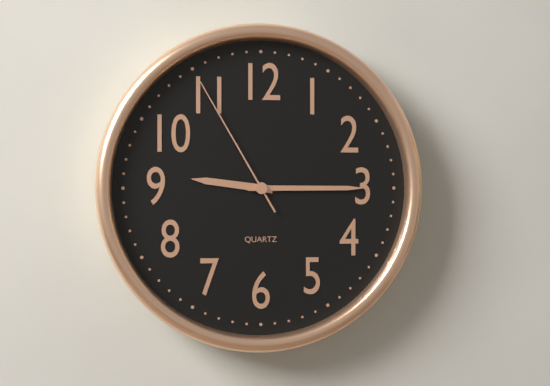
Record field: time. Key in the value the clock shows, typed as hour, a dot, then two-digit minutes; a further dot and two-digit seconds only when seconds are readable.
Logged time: 9.15.55
